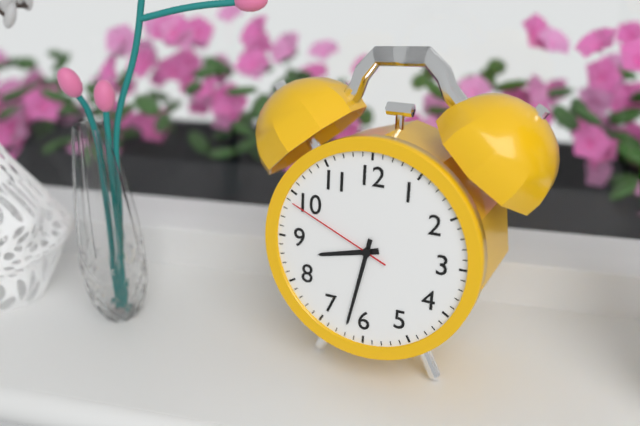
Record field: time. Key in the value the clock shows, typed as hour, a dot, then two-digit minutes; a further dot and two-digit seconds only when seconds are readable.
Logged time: 8.32.49
